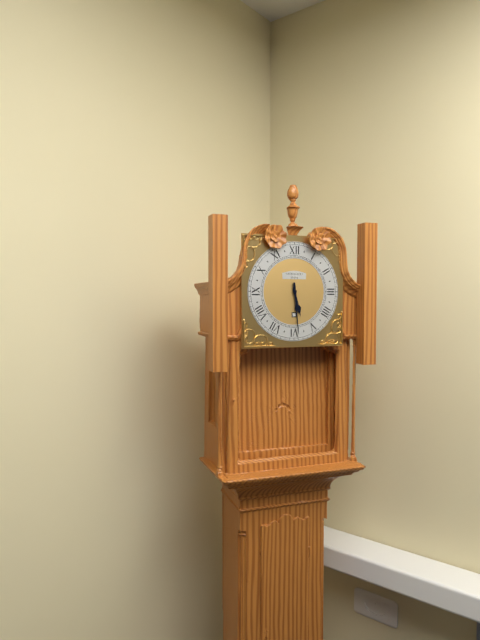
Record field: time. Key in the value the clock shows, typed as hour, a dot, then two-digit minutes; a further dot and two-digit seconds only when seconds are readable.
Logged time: 5.29
